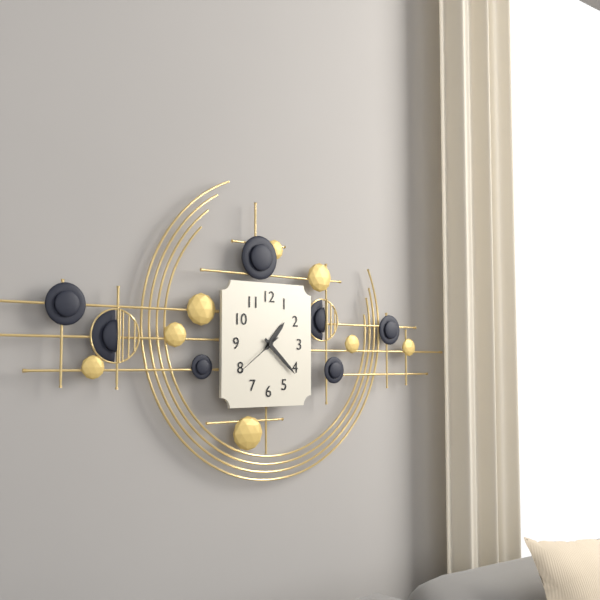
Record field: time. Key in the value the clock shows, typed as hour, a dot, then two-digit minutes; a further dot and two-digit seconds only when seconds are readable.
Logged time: 1.22.39
